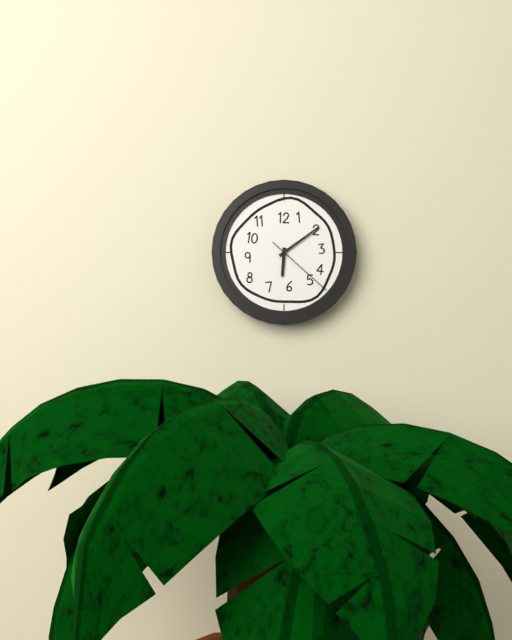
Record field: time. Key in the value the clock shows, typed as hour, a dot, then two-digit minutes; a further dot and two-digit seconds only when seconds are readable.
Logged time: 6.09.22
